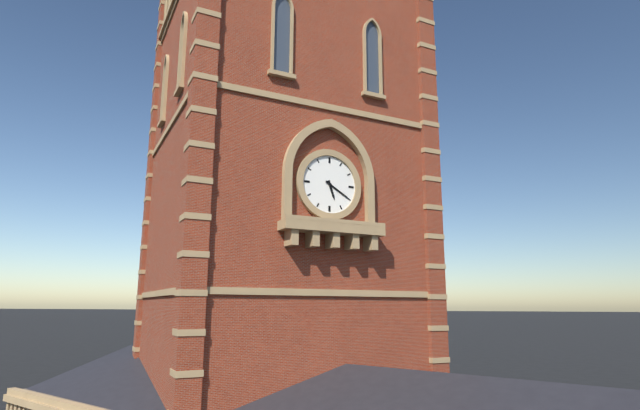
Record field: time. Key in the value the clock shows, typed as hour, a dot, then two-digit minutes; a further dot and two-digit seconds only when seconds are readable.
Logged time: 5.20
